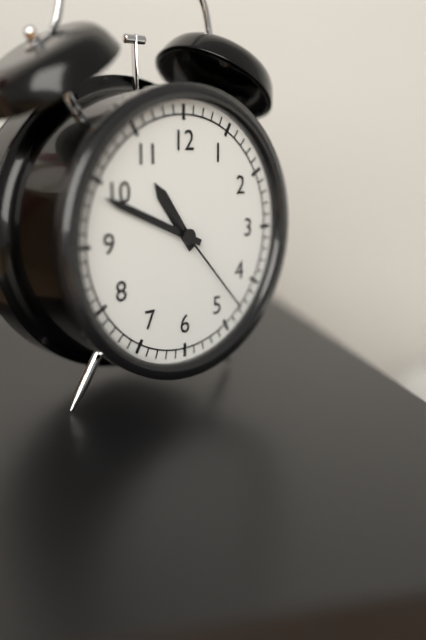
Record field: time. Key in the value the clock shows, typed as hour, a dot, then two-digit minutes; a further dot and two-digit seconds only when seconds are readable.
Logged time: 10.49.23
